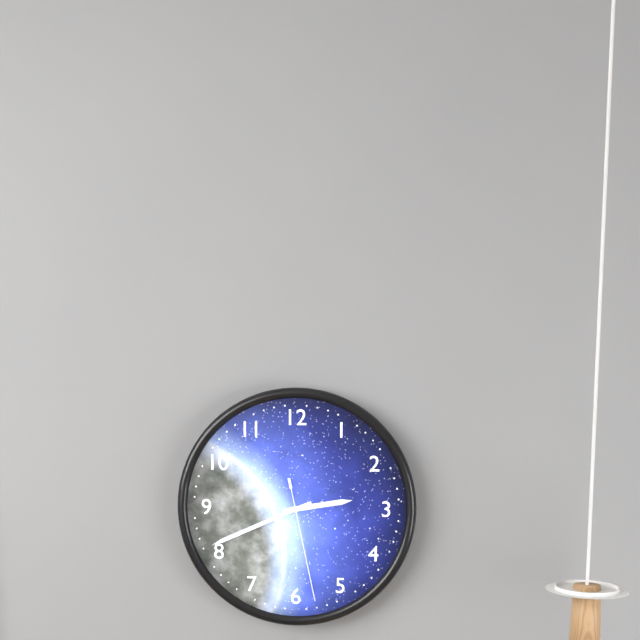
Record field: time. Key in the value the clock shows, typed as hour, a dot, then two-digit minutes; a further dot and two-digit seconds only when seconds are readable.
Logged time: 2.41.28
